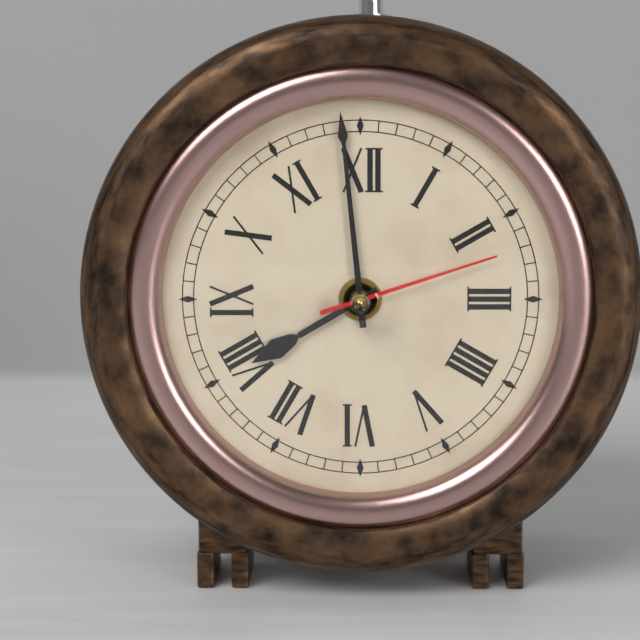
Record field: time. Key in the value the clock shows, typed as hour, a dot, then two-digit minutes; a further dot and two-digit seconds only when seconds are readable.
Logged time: 7.59.12
